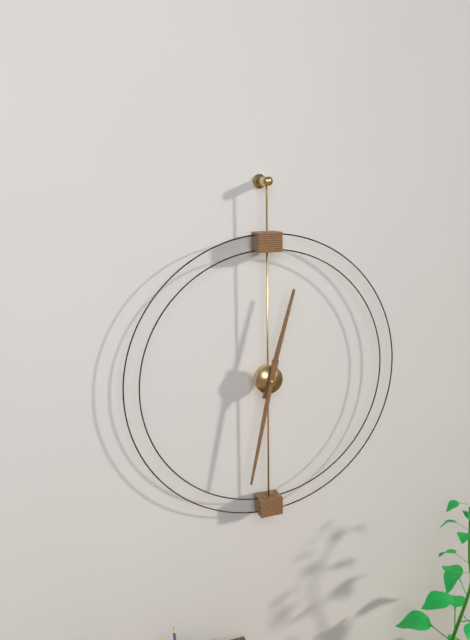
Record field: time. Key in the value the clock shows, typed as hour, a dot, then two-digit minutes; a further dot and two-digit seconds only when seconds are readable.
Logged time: 12.32
